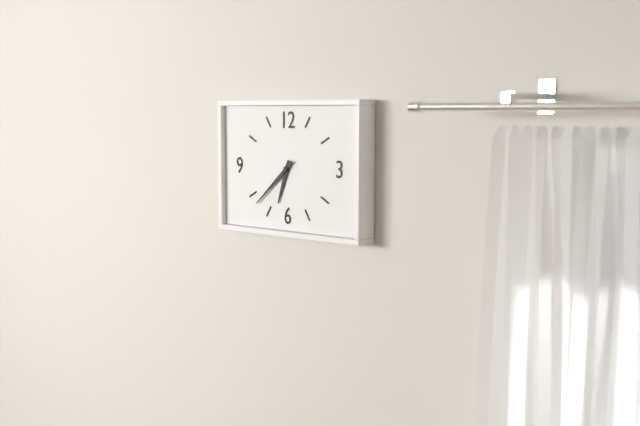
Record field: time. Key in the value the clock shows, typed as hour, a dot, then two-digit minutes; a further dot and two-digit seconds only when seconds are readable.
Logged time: 6.38
